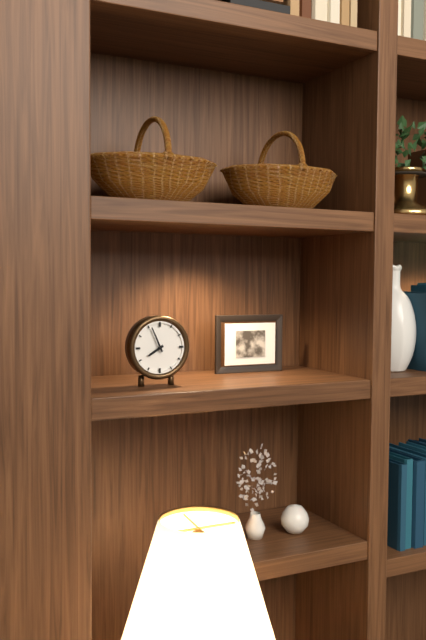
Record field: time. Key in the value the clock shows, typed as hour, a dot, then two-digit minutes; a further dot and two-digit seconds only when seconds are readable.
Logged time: 7.56
